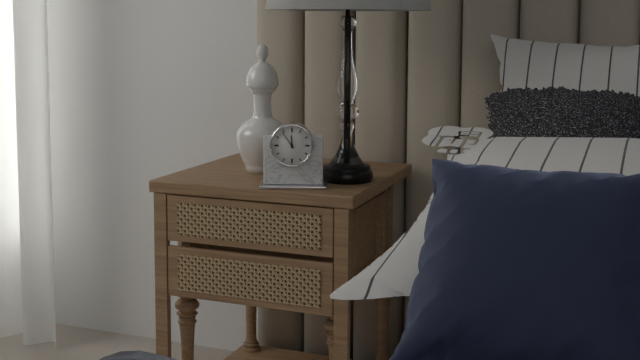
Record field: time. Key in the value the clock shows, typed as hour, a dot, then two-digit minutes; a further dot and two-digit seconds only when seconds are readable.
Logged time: 11.54
